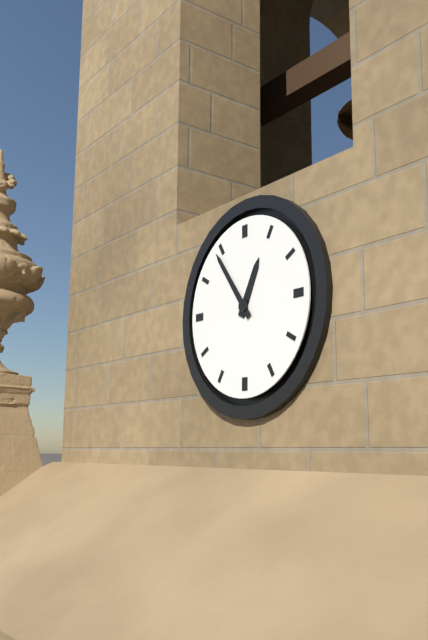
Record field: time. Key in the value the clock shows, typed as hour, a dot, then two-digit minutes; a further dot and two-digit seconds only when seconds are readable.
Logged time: 12.54
